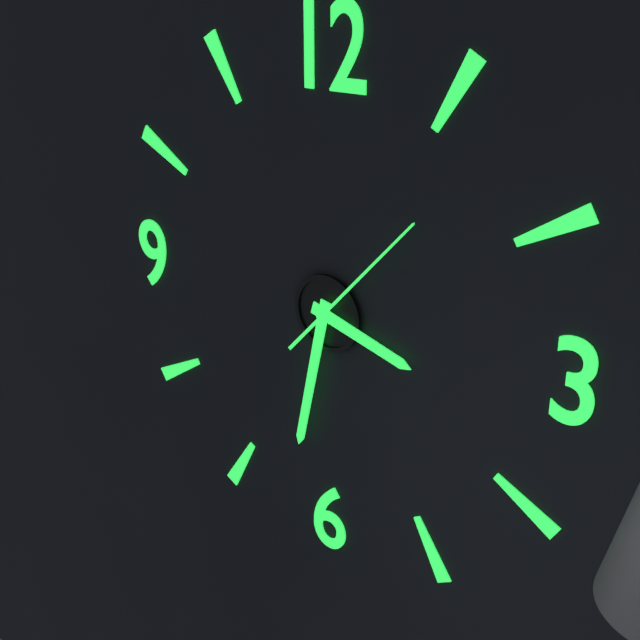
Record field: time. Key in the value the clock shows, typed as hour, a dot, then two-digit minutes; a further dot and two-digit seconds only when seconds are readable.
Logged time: 3.32.07
